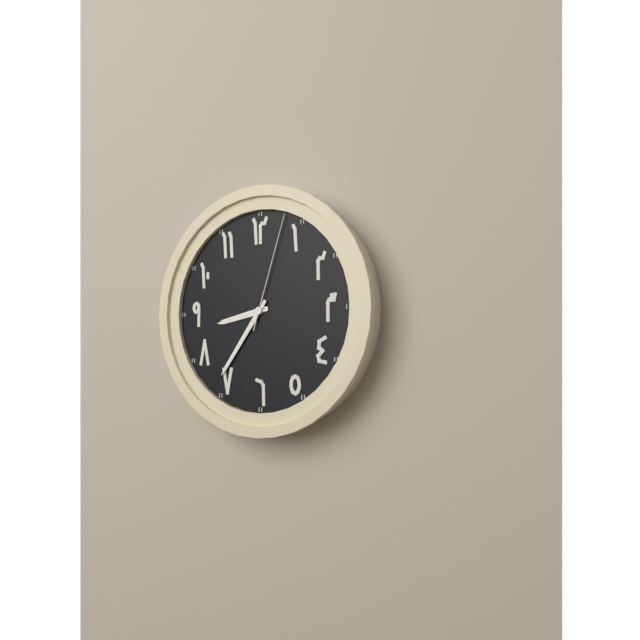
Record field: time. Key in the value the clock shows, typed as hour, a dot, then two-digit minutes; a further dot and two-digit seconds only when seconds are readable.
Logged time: 8.36.03
